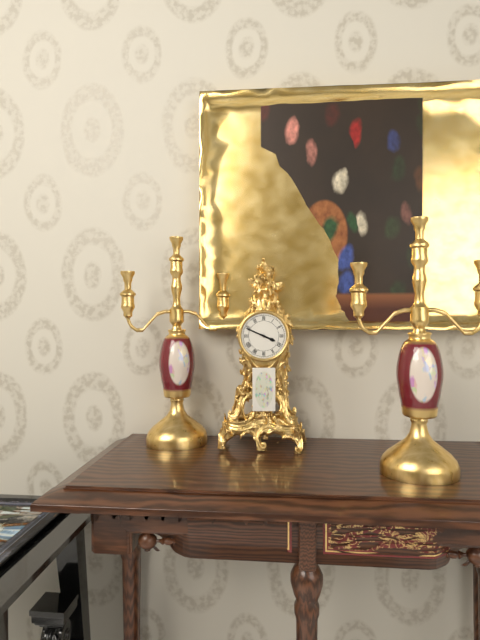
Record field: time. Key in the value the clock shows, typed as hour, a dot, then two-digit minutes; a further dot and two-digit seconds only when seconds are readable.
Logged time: 3.49
